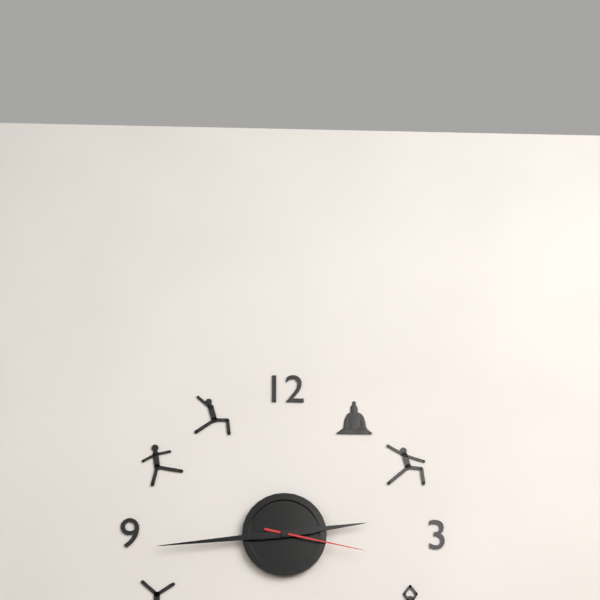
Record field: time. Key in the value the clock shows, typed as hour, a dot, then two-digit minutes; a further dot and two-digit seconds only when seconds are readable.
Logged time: 2.44.17
